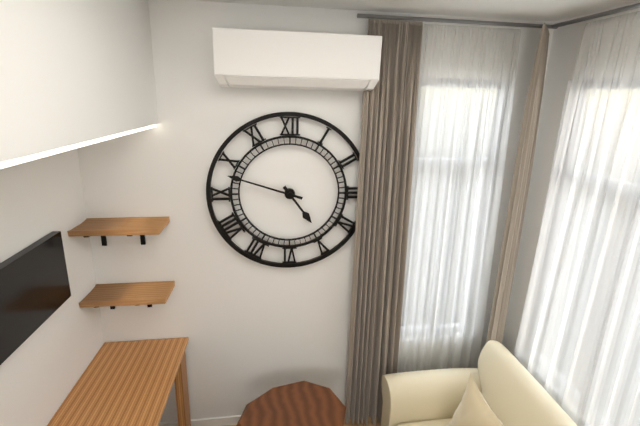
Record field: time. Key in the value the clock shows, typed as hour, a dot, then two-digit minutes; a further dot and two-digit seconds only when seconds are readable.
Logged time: 4.48
